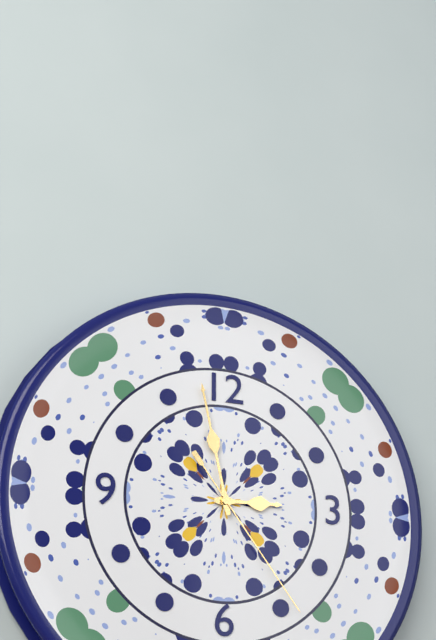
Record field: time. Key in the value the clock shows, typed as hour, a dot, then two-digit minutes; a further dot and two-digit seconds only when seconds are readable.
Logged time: 2.58.24
